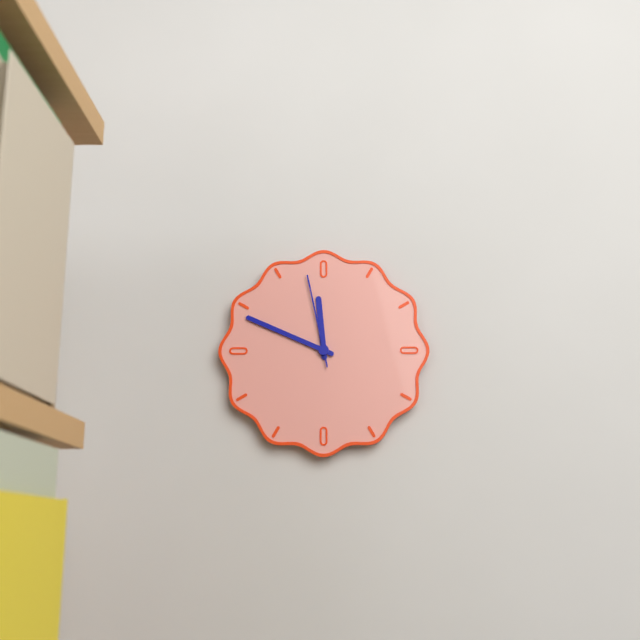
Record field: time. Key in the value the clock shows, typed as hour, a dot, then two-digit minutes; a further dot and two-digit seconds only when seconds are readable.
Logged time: 11.49.58
